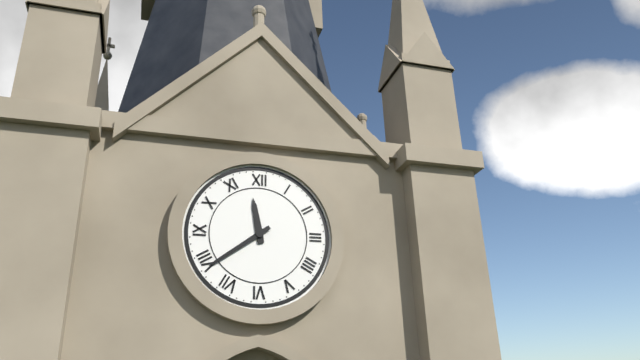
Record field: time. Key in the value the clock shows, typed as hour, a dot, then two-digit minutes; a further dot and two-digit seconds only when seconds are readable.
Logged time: 11.39
